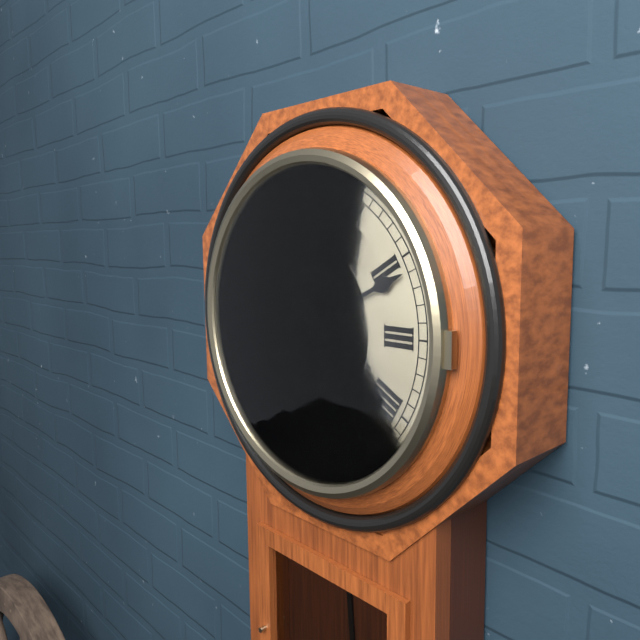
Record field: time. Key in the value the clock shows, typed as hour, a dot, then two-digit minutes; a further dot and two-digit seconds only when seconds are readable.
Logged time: 6.11
